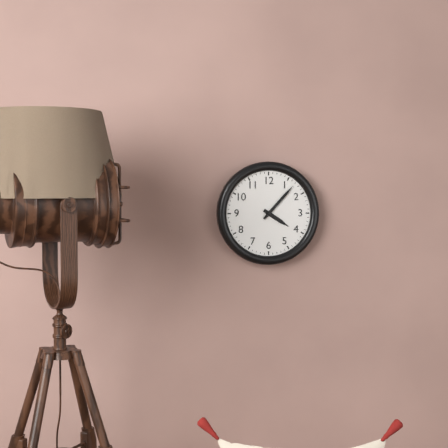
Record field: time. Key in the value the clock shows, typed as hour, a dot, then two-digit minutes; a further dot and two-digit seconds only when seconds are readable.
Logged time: 4.07
